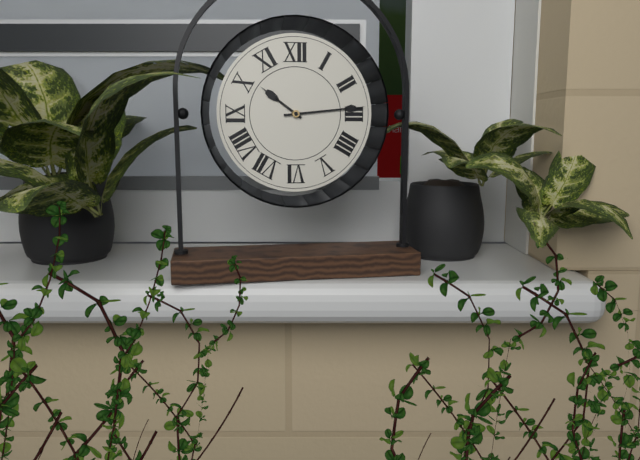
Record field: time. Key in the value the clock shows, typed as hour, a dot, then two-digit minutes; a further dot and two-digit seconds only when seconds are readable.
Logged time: 10.14
